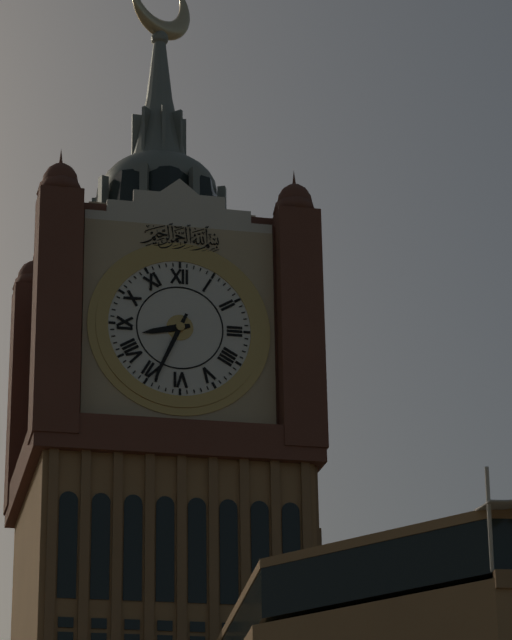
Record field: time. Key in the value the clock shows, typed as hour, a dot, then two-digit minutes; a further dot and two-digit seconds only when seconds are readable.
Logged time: 8.34
